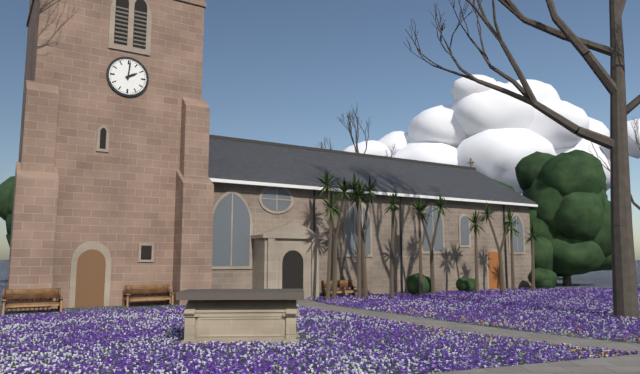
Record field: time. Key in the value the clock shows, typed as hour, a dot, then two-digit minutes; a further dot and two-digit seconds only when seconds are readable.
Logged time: 2.01
